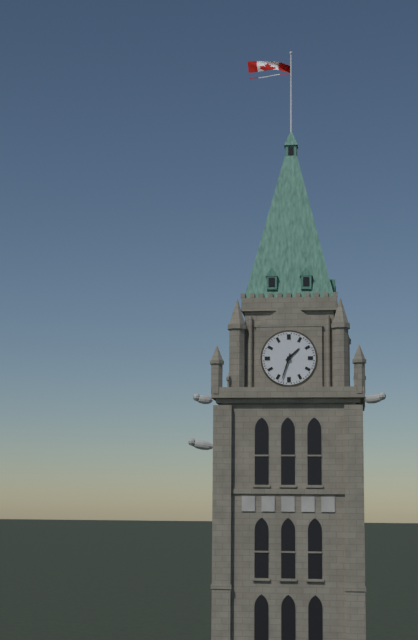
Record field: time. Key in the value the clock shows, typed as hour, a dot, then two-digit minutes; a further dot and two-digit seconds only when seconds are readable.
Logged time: 1.33
